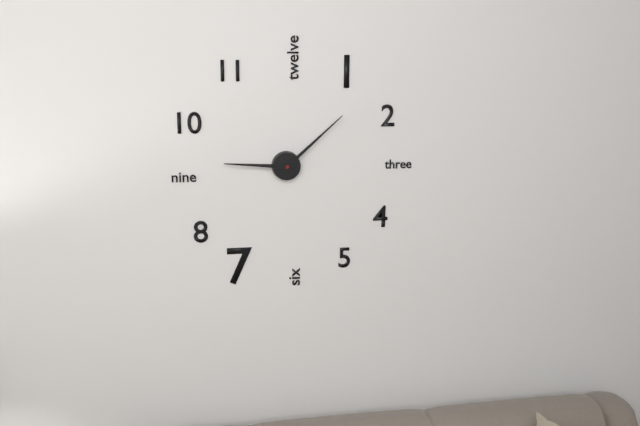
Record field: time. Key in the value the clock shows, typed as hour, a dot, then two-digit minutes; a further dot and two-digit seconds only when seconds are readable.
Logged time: 9.08
